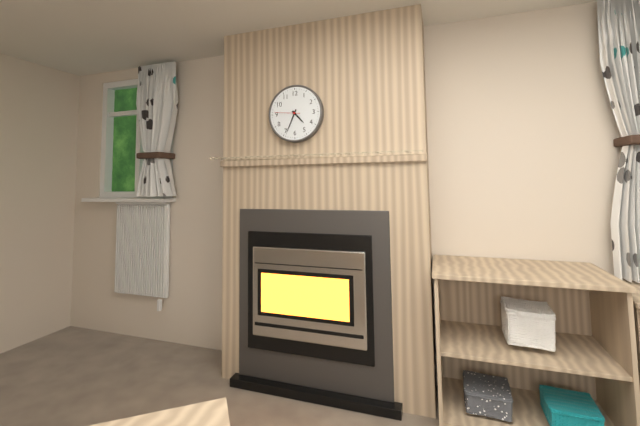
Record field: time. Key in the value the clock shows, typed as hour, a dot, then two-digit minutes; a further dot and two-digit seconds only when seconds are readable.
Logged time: 4.34
